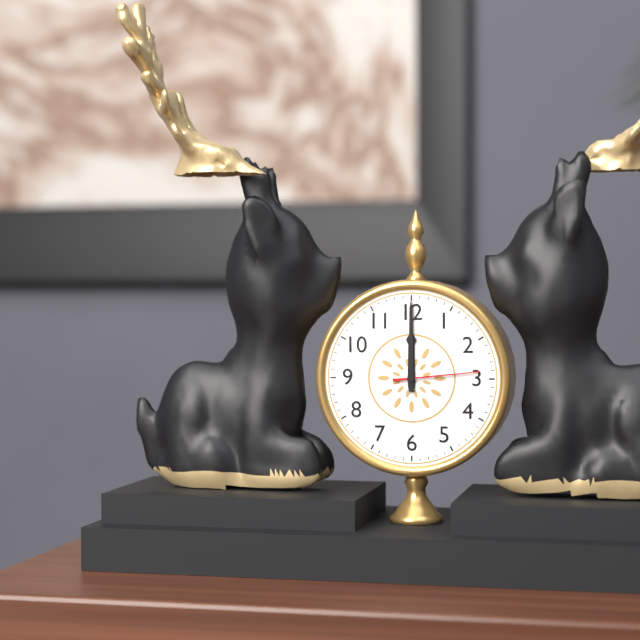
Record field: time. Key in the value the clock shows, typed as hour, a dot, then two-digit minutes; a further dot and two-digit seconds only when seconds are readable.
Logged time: 12.00.14
